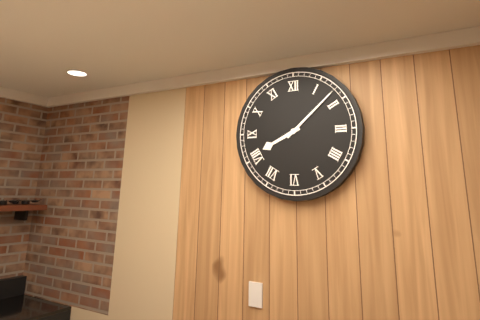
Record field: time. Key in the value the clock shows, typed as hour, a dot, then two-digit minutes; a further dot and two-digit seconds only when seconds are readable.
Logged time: 8.08
